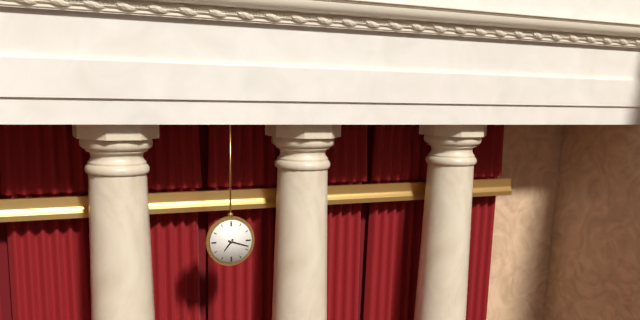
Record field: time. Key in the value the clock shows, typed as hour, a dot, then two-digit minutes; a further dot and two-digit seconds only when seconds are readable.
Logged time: 7.18
